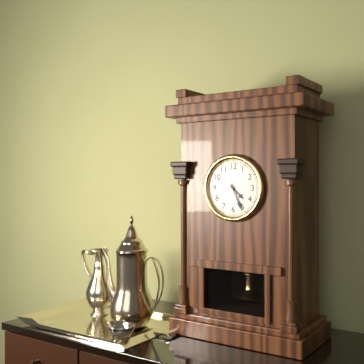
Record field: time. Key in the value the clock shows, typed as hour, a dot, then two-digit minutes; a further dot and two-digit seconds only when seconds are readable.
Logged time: 4.26
